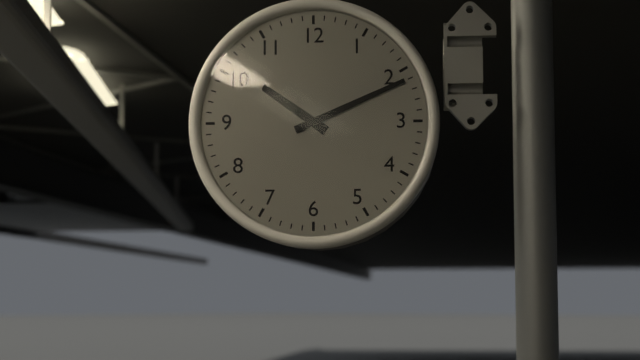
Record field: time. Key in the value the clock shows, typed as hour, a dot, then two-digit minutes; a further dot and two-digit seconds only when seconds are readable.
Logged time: 10.11
